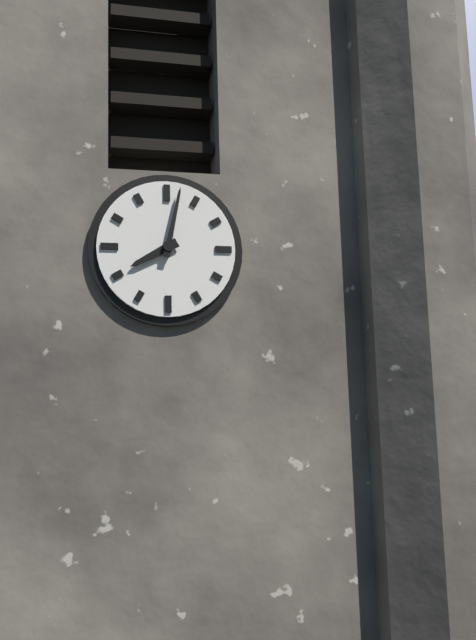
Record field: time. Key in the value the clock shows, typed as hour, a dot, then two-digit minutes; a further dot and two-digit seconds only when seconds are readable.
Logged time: 8.02
